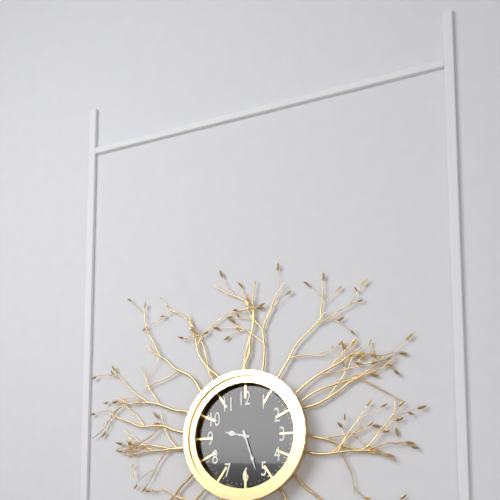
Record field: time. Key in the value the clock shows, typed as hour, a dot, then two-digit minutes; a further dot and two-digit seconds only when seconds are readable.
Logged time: 9.27
